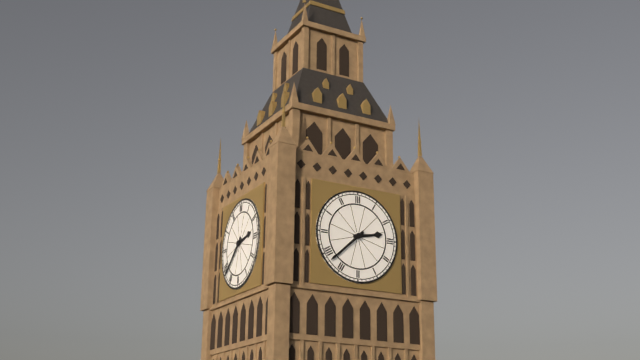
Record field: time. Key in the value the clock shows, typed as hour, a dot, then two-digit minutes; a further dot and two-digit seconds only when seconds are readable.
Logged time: 2.38
